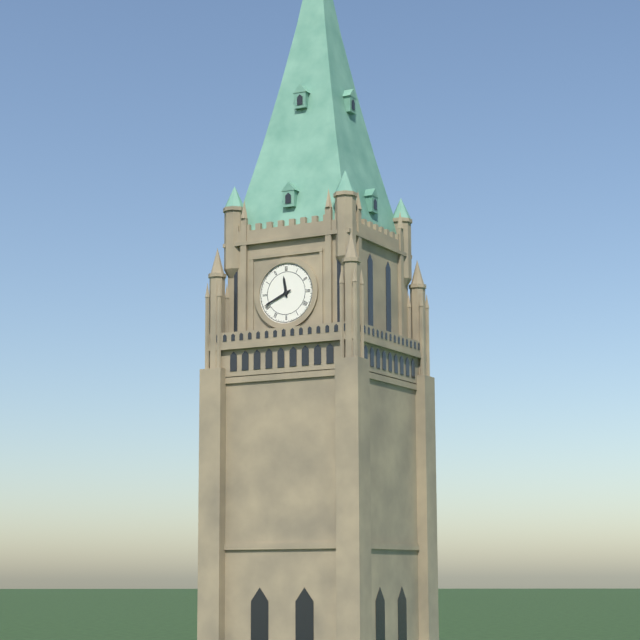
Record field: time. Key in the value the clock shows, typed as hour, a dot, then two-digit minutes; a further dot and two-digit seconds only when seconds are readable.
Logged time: 11.41
